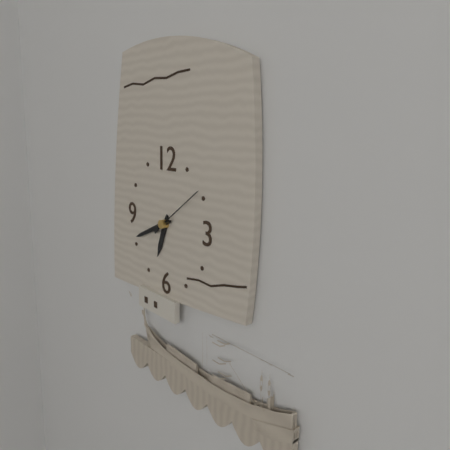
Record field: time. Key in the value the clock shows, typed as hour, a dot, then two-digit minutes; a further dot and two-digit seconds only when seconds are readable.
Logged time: 6.41.09
